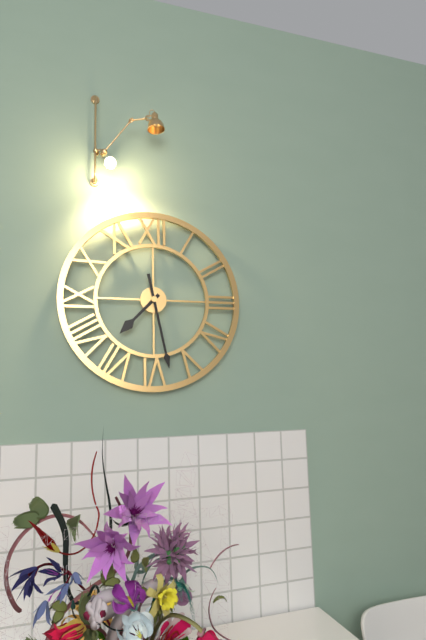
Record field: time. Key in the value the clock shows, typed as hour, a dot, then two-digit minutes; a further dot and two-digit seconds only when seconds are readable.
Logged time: 7.28
